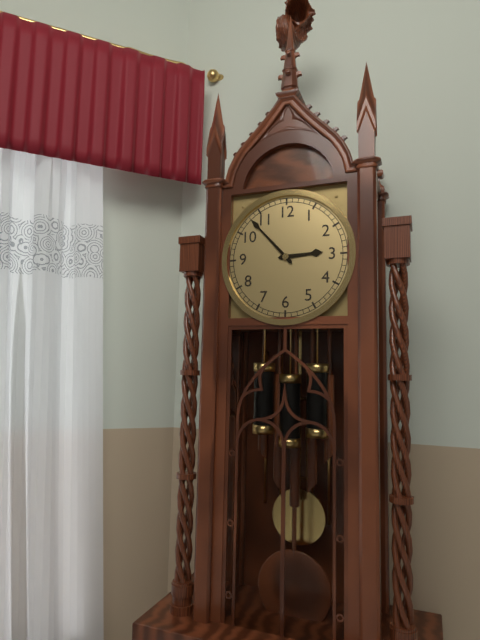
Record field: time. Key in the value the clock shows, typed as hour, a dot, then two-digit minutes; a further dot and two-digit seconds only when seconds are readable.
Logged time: 2.53
